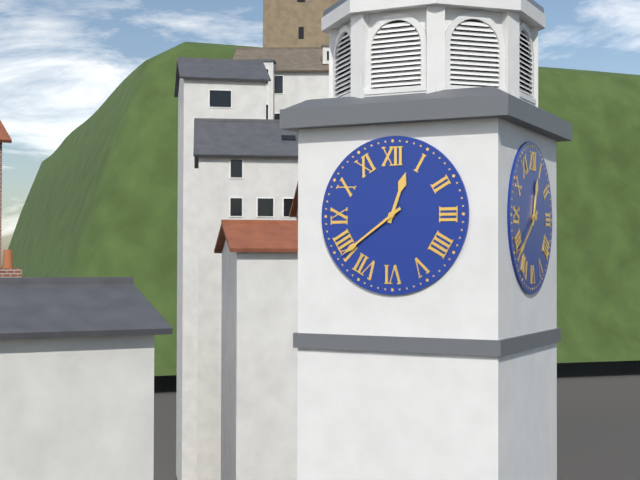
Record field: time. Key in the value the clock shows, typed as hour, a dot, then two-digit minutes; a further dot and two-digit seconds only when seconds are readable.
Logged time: 12.39
